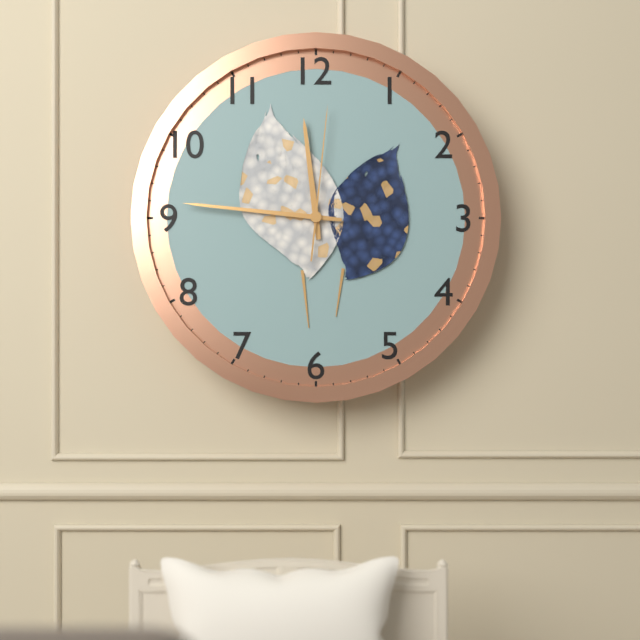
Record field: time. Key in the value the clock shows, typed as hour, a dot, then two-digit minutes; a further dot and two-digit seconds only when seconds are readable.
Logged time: 11.46.01
